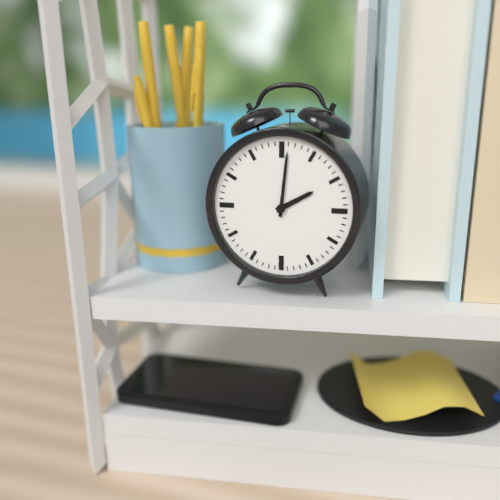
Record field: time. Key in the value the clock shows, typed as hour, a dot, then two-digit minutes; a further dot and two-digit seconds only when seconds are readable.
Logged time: 2.01
